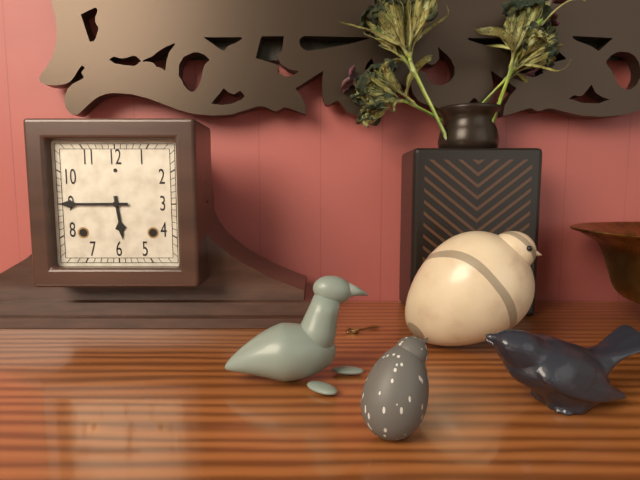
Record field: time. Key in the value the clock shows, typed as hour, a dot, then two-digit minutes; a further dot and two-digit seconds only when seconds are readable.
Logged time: 5.45
